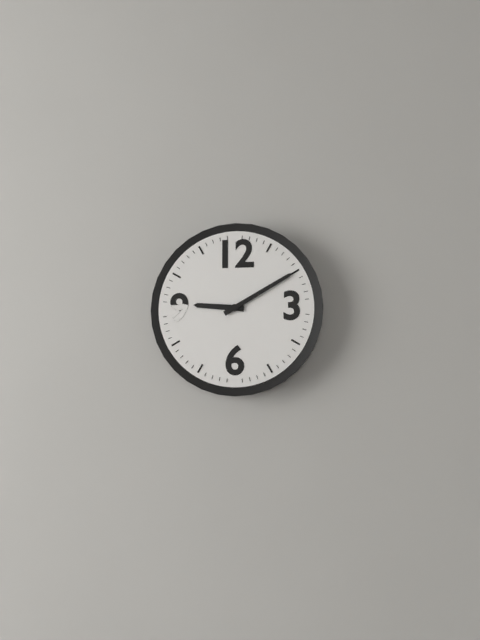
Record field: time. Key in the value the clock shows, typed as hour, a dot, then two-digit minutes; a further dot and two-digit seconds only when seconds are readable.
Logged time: 9.10
